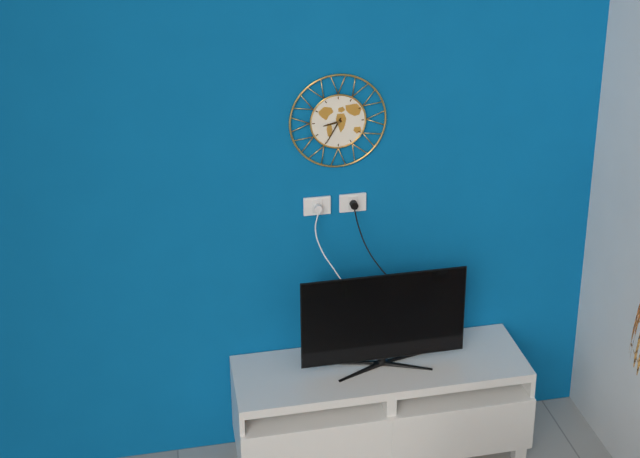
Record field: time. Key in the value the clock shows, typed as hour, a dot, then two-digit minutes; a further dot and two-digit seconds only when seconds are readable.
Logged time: 8.35
